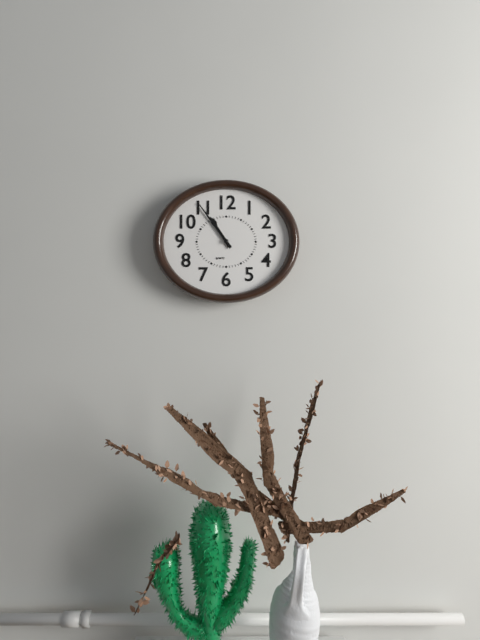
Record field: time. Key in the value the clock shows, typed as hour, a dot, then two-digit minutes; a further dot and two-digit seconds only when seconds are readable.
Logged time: 10.54
